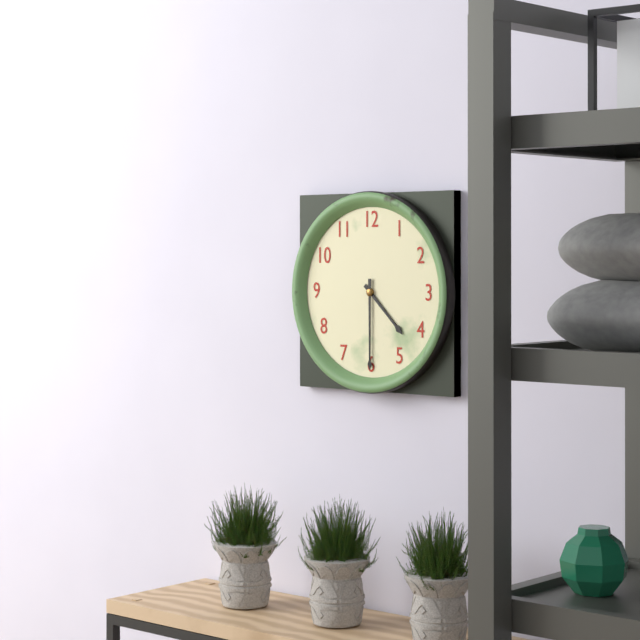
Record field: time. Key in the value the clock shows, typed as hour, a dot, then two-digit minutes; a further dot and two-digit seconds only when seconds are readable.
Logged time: 4.30
